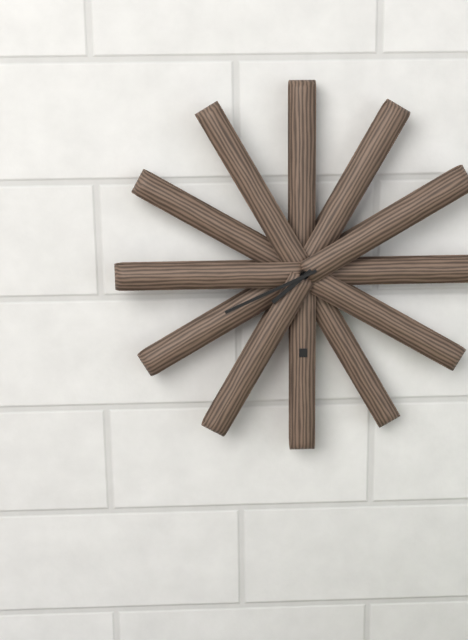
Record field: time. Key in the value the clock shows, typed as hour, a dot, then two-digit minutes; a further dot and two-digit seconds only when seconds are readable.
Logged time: 7.41
